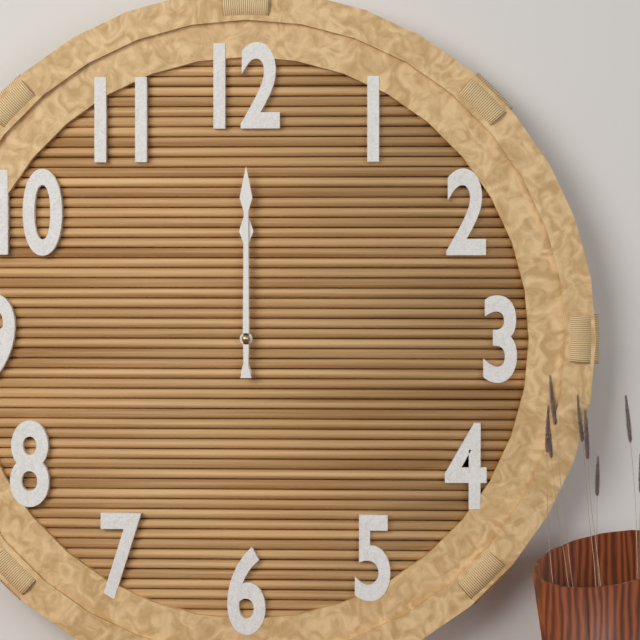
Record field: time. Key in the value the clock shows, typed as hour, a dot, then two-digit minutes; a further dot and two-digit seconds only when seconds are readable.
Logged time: 12.00
